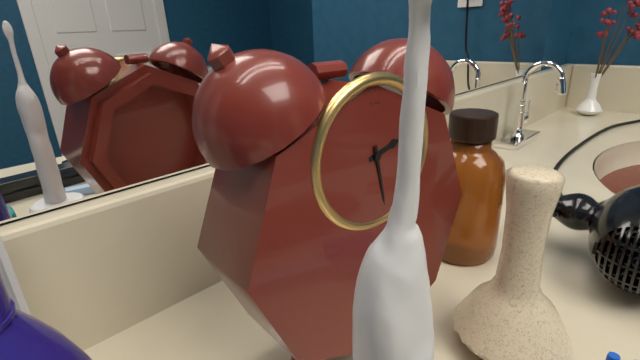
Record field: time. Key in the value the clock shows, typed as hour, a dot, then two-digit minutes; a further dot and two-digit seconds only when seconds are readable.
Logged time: 2.28
